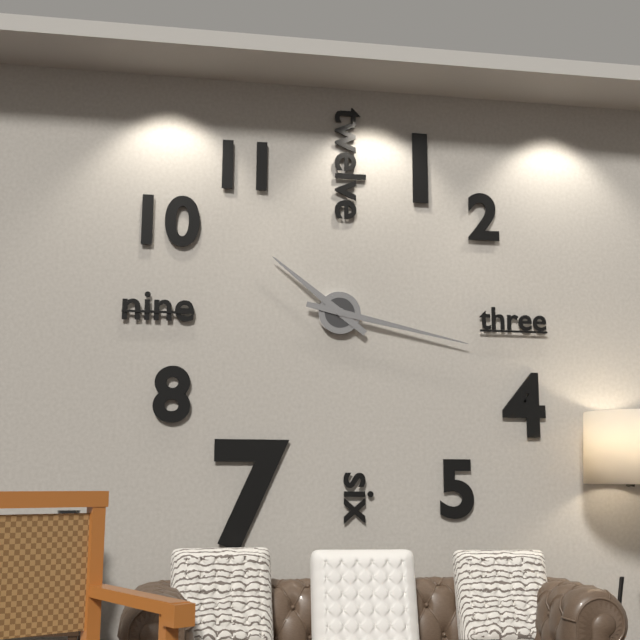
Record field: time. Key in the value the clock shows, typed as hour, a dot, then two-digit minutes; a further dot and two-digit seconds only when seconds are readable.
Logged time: 10.17
